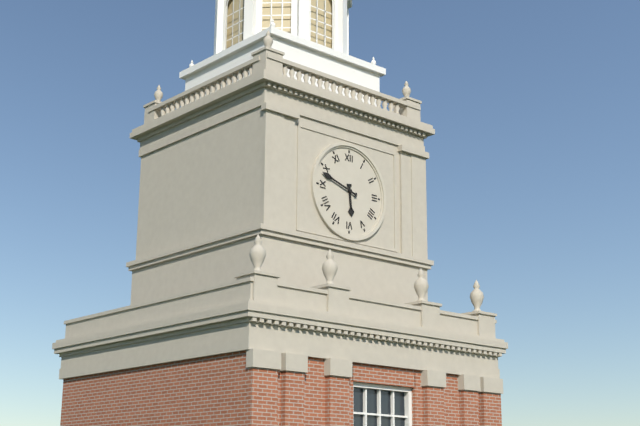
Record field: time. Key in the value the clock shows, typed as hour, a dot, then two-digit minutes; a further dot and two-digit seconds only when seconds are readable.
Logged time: 5.48
